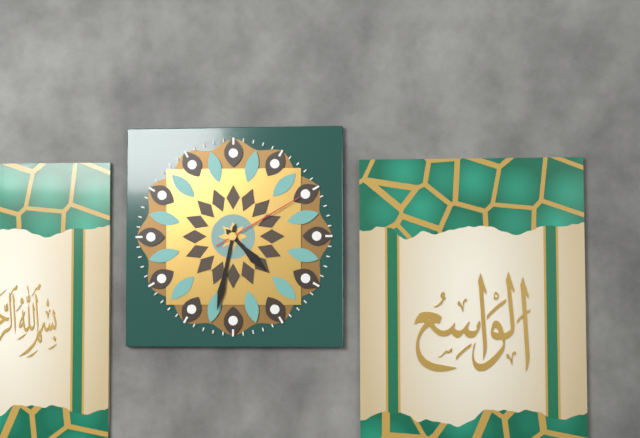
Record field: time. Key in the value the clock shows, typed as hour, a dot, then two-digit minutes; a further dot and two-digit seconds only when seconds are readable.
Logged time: 4.32.10
